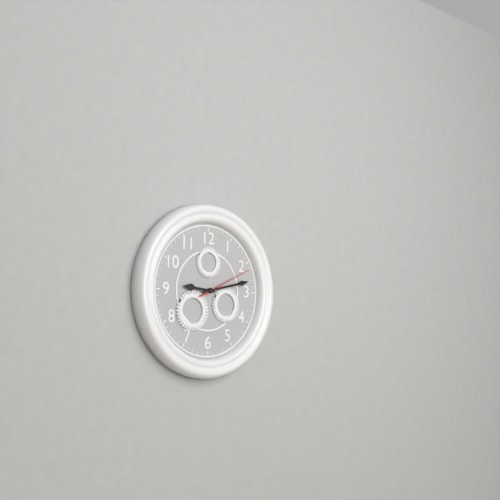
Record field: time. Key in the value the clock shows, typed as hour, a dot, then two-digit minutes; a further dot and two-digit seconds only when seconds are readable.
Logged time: 9.13.11
